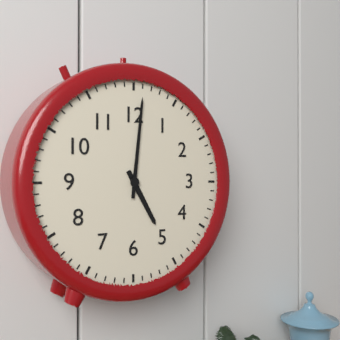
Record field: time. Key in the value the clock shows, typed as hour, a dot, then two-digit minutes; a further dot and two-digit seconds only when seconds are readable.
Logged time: 5.01
